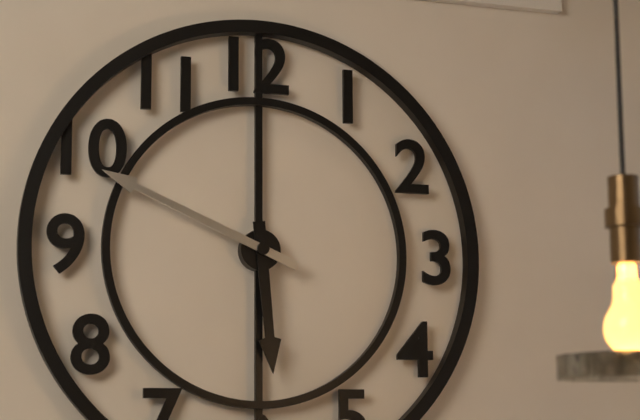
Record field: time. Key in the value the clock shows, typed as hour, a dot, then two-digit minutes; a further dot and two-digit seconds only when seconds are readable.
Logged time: 5.49
